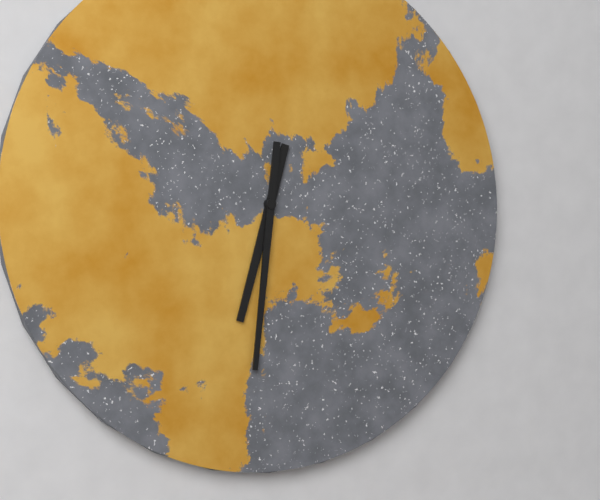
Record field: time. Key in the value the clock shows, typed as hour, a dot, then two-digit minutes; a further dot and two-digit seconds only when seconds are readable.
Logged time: 6.31
